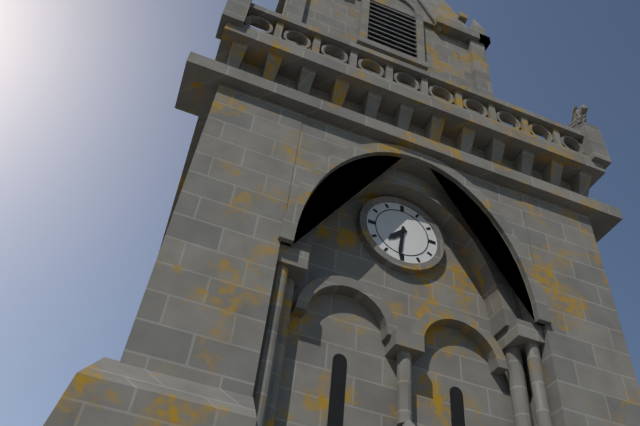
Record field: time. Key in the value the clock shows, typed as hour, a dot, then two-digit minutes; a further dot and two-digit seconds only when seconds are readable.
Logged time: 7.31
